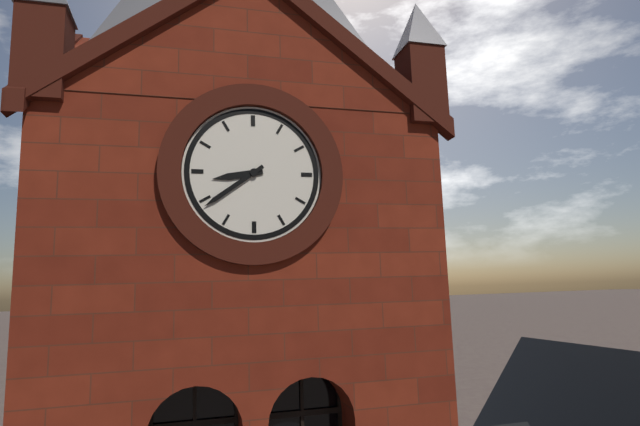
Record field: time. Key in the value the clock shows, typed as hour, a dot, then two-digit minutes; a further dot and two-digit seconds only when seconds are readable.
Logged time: 8.39
